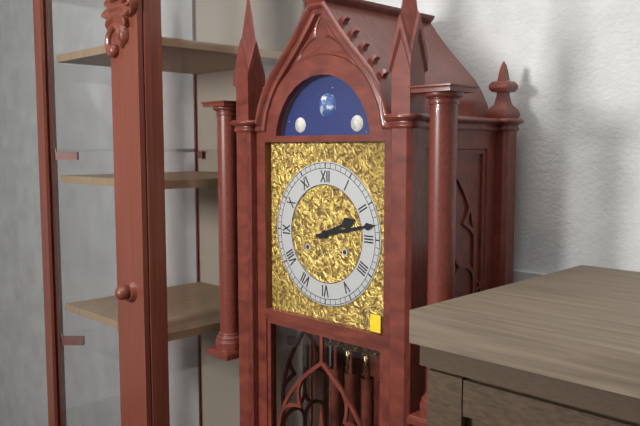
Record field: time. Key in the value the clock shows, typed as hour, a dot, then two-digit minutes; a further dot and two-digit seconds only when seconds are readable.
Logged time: 2.13
